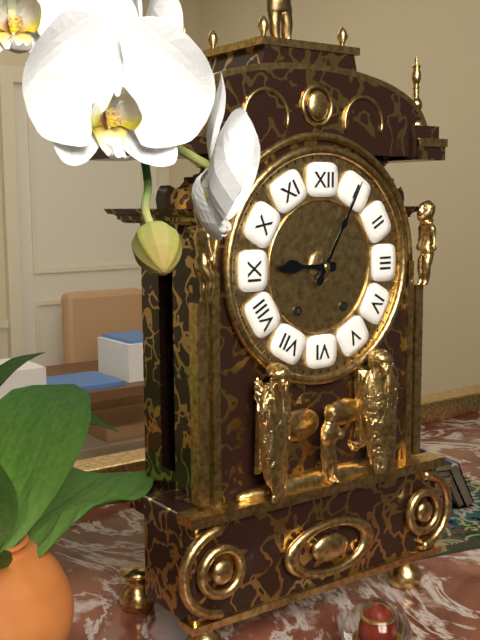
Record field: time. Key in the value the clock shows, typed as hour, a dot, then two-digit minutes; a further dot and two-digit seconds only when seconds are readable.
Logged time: 9.05
